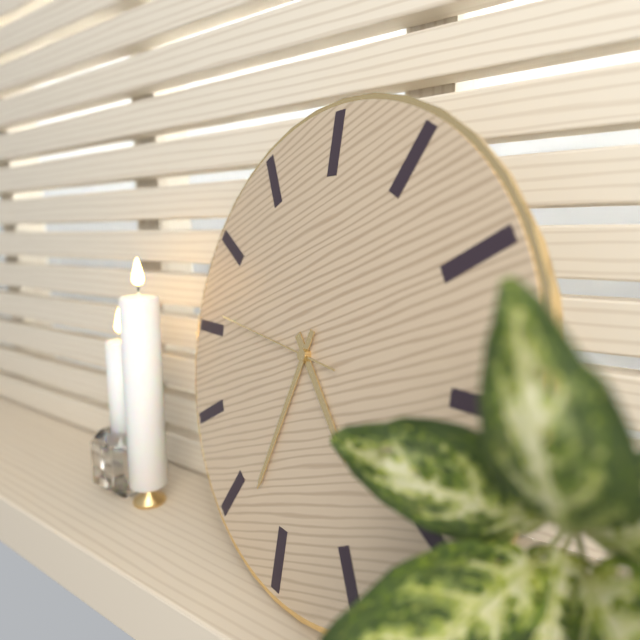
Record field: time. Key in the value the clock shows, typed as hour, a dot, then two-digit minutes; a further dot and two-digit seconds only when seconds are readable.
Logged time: 4.33.46
